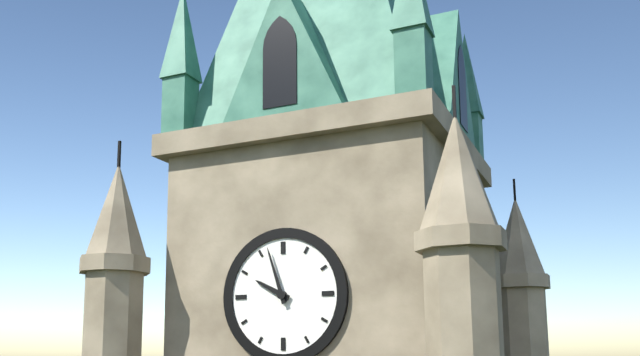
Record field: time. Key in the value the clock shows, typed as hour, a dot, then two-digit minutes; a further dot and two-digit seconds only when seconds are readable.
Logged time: 9.57
